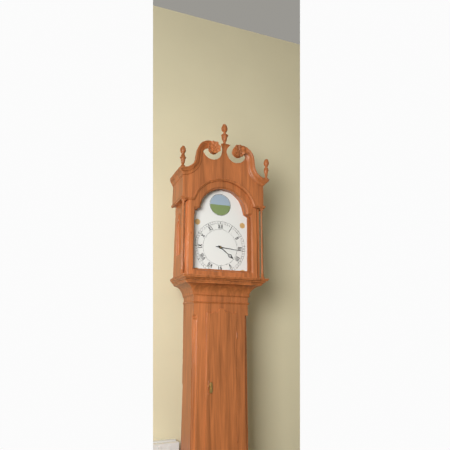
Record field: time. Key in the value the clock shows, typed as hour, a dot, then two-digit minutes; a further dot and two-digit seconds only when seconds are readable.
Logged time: 4.16
